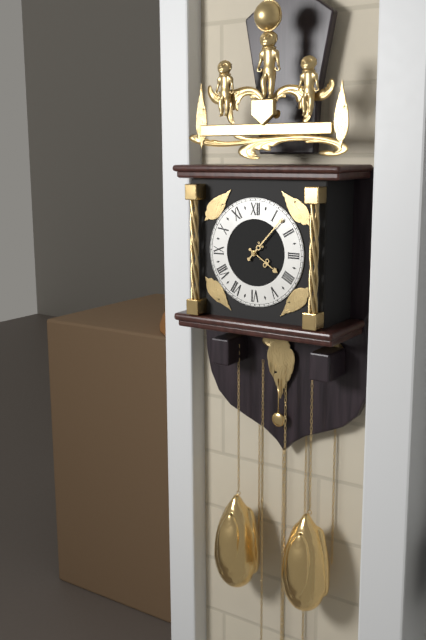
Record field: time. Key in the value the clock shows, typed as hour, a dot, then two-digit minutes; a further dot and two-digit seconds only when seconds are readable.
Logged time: 4.07
